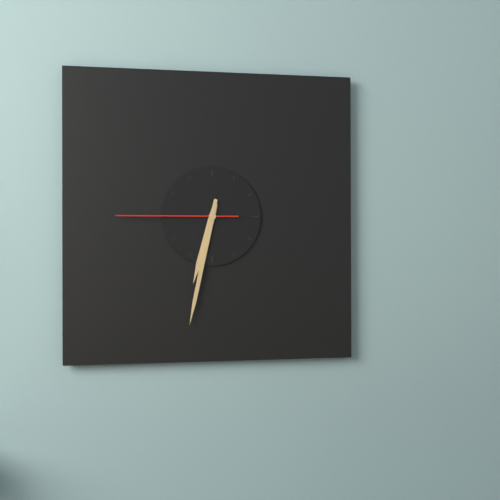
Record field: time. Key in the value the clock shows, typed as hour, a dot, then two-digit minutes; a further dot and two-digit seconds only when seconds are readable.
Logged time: 6.32.45
